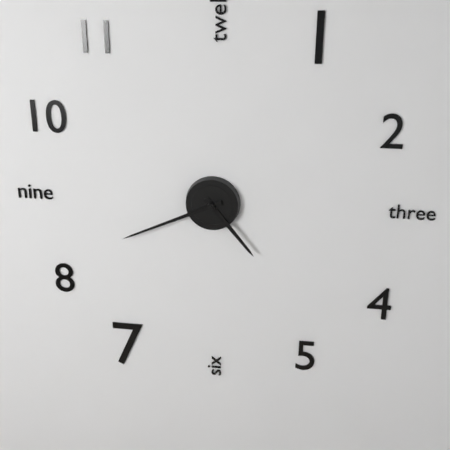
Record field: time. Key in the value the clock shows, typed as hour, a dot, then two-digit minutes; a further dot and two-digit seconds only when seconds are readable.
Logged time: 4.41
